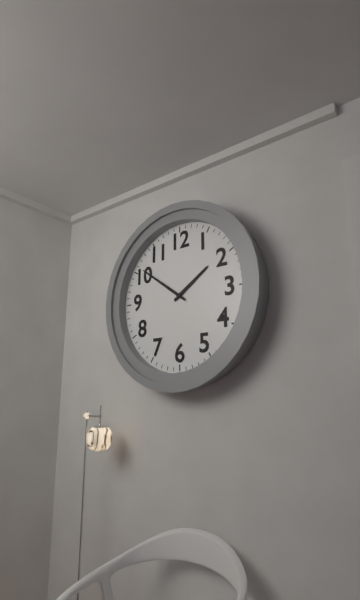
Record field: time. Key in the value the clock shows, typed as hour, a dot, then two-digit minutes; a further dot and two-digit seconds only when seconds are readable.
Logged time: 1.51
